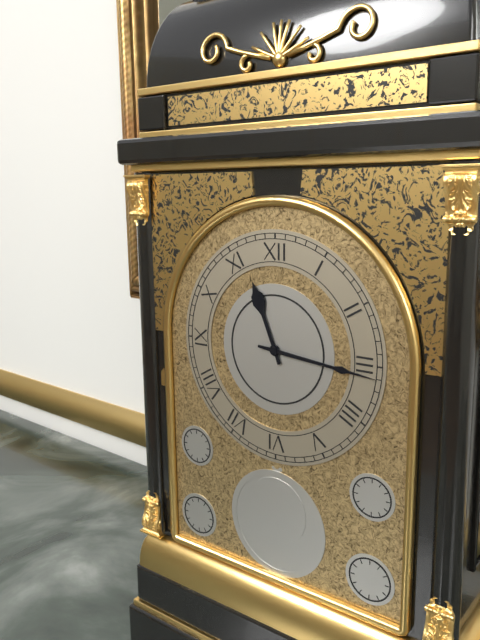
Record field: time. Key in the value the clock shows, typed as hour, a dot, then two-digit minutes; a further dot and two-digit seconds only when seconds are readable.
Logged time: 11.16
